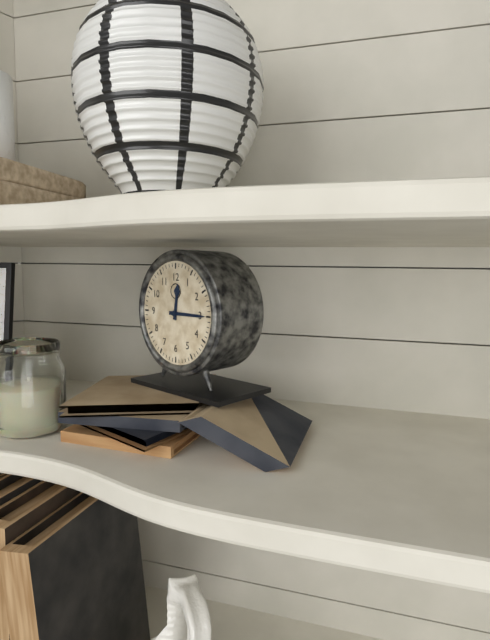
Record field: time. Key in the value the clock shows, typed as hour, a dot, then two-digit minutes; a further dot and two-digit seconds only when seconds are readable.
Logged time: 12.15
